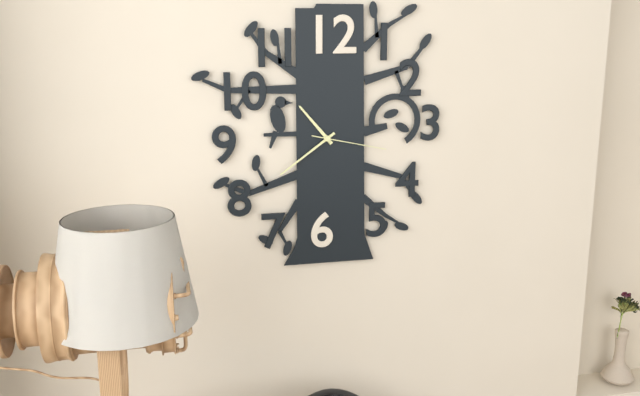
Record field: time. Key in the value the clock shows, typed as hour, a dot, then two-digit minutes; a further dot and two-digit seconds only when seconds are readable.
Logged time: 10.39.17
